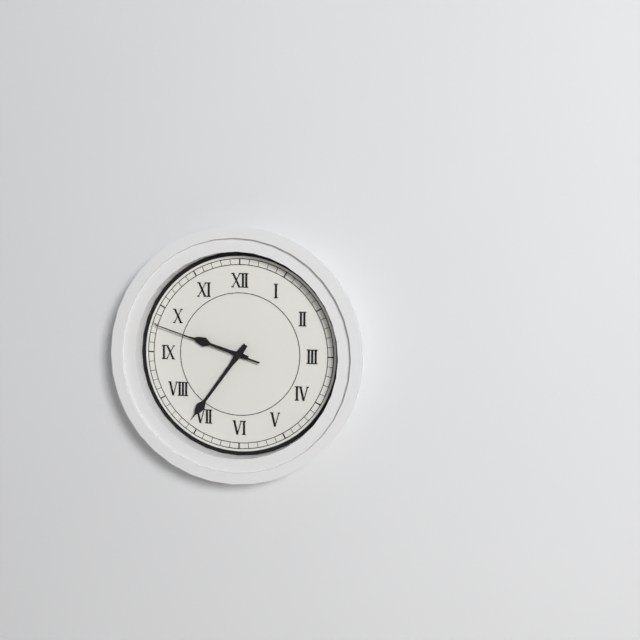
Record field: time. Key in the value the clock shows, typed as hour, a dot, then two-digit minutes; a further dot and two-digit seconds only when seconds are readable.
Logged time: 9.36.48
